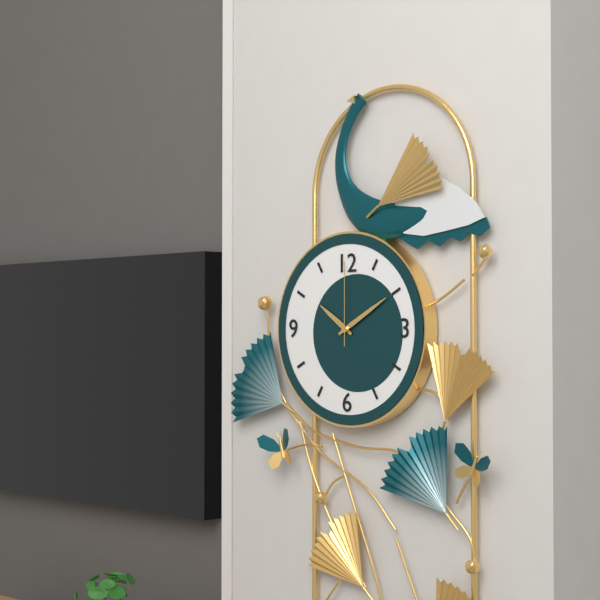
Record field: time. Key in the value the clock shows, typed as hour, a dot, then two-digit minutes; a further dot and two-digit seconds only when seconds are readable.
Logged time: 10.10.00
